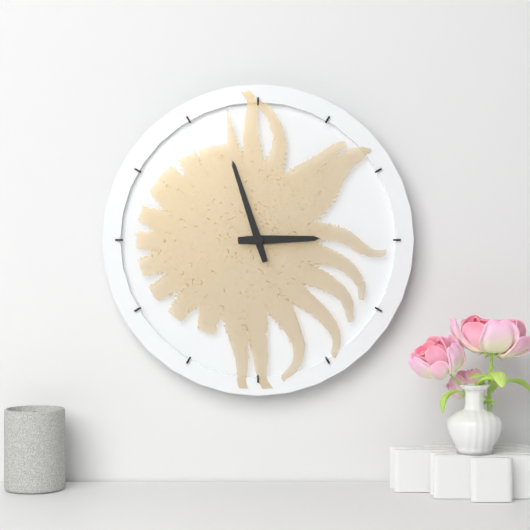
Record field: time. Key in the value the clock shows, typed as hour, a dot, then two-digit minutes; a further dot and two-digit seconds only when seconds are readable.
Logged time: 2.57
